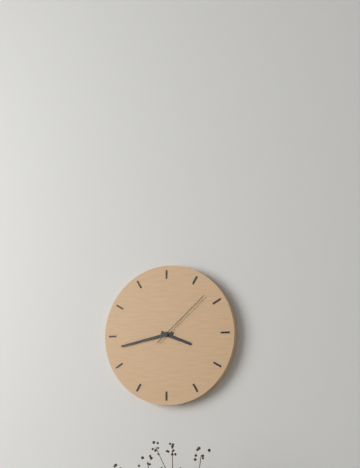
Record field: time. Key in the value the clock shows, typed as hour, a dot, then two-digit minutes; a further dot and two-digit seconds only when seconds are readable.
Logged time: 3.43.08
